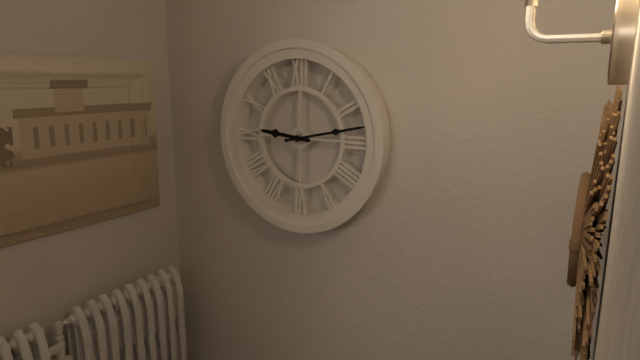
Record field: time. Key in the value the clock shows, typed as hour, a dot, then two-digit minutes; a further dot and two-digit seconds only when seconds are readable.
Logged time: 9.13
